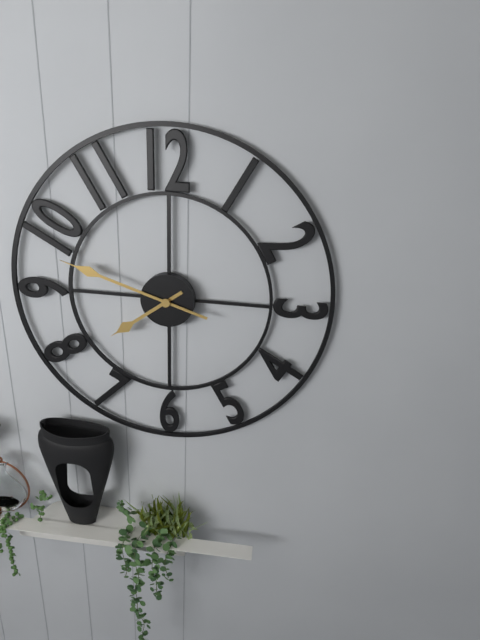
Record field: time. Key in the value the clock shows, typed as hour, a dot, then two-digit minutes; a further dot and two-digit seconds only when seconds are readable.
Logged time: 7.48
